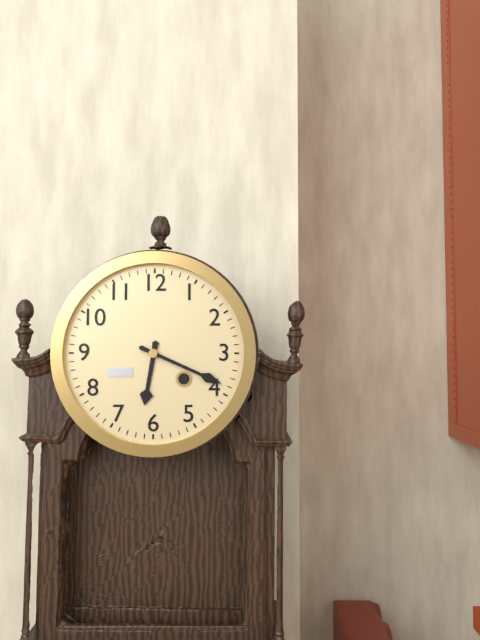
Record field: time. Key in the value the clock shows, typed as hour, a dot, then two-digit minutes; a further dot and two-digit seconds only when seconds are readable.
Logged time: 6.19
